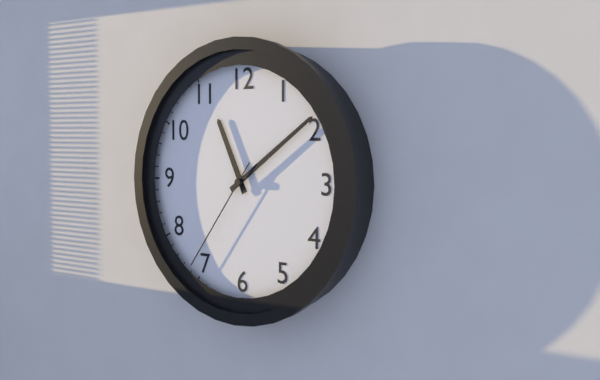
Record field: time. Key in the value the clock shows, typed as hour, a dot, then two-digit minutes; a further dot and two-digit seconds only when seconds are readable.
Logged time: 11.09.36
